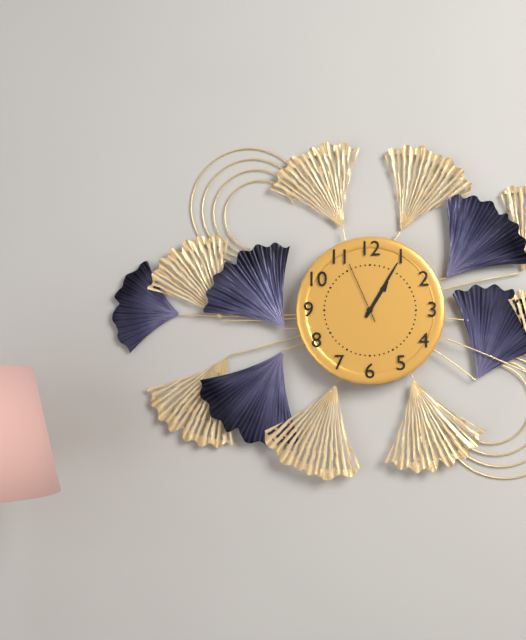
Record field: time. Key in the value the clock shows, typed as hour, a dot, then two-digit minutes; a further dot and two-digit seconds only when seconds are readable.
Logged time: 1.05.56
